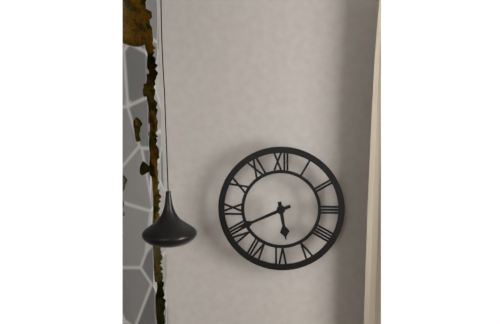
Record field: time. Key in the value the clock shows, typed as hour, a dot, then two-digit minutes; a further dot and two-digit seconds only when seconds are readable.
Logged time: 5.41
